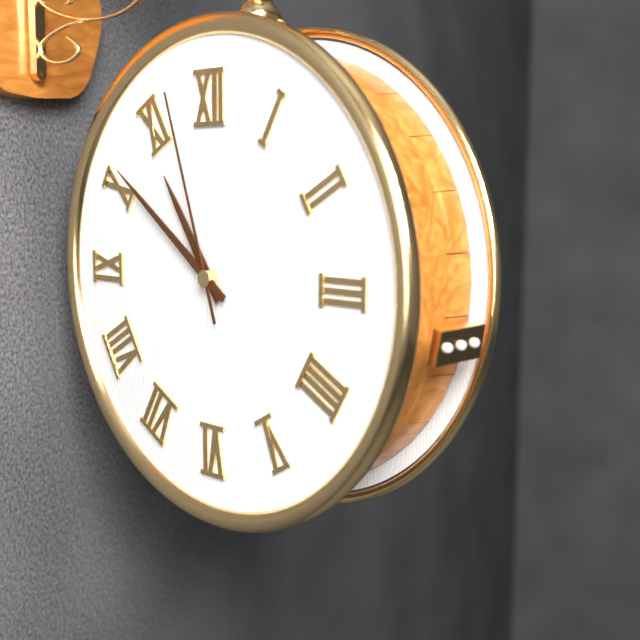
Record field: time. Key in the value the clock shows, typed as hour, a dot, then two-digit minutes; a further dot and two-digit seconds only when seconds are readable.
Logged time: 10.51.57
